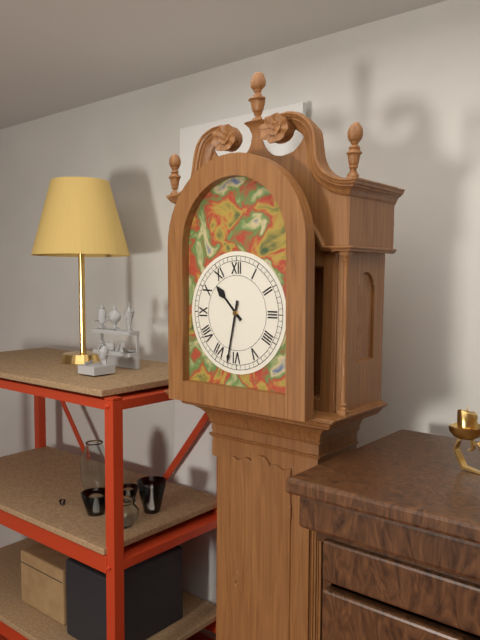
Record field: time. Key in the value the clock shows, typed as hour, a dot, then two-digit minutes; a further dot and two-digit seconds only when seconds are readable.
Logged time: 10.32
